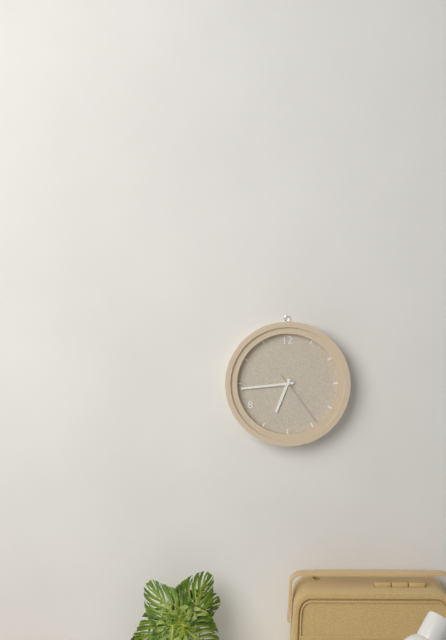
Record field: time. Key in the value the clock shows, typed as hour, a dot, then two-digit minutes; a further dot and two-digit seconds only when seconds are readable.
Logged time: 6.44.24
